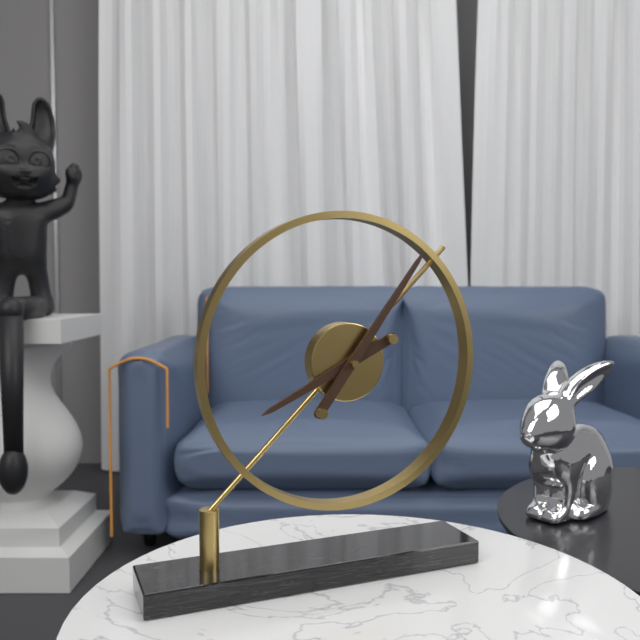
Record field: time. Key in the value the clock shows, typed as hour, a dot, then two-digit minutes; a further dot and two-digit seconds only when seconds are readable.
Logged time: 8.06
